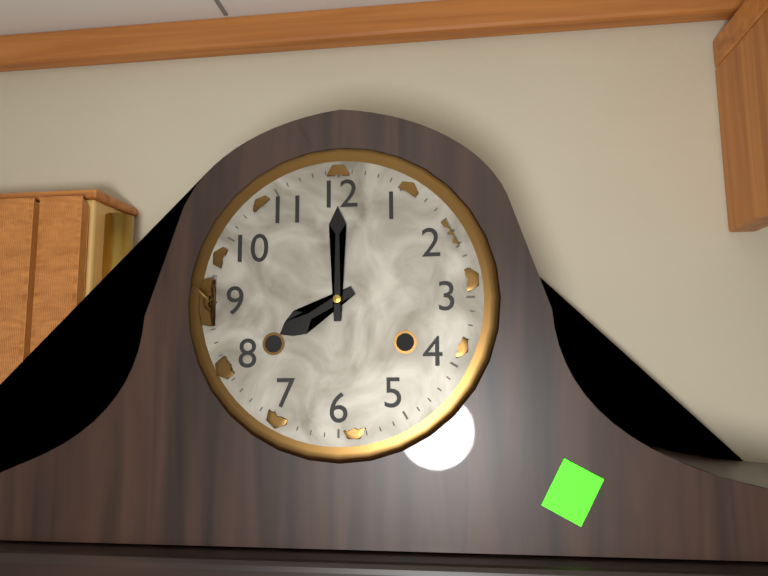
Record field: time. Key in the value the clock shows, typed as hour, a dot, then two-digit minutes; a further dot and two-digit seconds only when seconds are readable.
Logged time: 8.00
